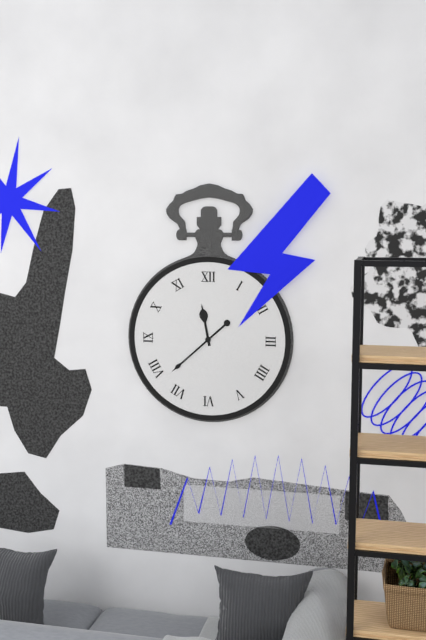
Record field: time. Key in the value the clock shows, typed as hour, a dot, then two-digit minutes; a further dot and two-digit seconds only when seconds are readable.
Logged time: 11.38
